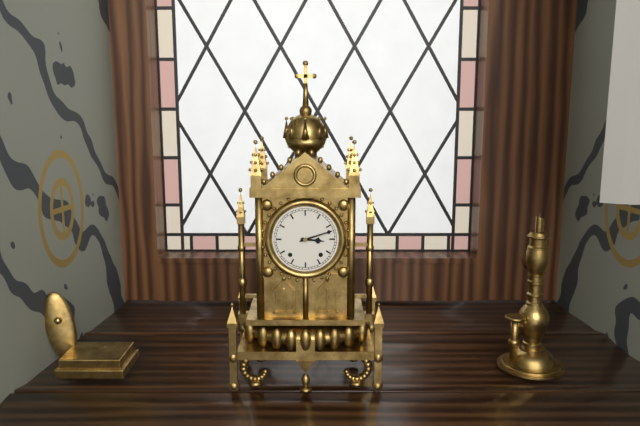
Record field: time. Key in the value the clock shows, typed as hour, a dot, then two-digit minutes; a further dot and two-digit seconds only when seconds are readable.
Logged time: 3.12
